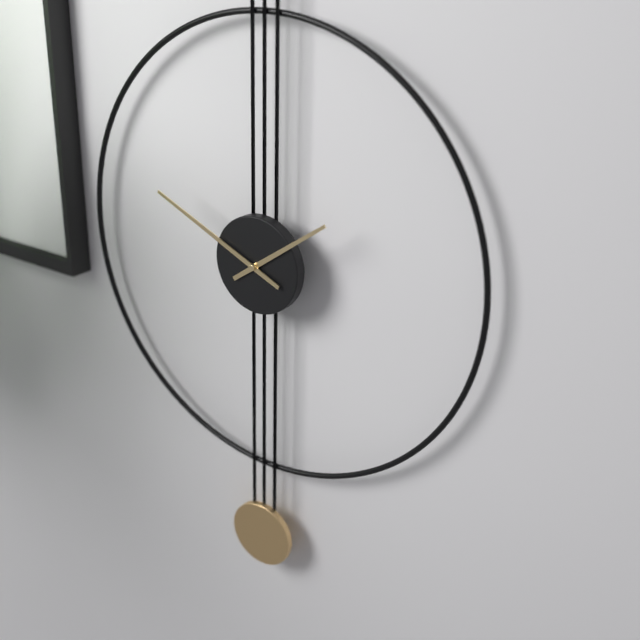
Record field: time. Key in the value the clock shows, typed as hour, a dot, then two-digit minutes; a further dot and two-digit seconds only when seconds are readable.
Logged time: 1.49
